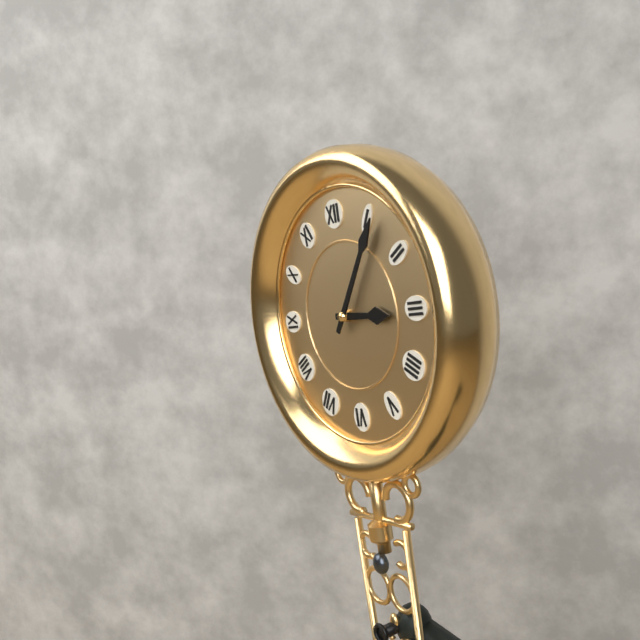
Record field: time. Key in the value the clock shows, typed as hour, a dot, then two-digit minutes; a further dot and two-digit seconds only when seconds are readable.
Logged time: 3.06
